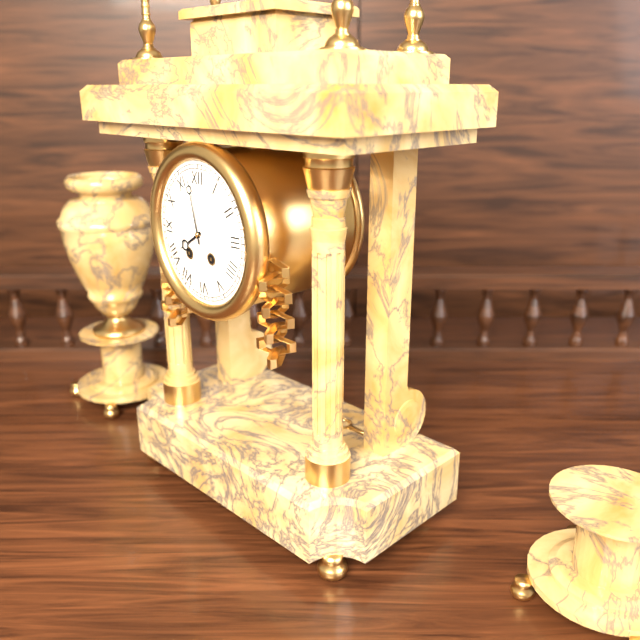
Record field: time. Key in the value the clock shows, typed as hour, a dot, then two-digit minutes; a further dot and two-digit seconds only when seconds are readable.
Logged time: 7.58
